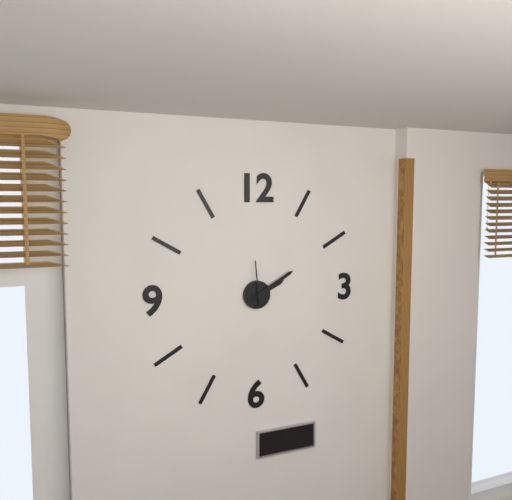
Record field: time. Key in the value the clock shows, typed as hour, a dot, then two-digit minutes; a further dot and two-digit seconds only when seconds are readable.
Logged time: 2.10
